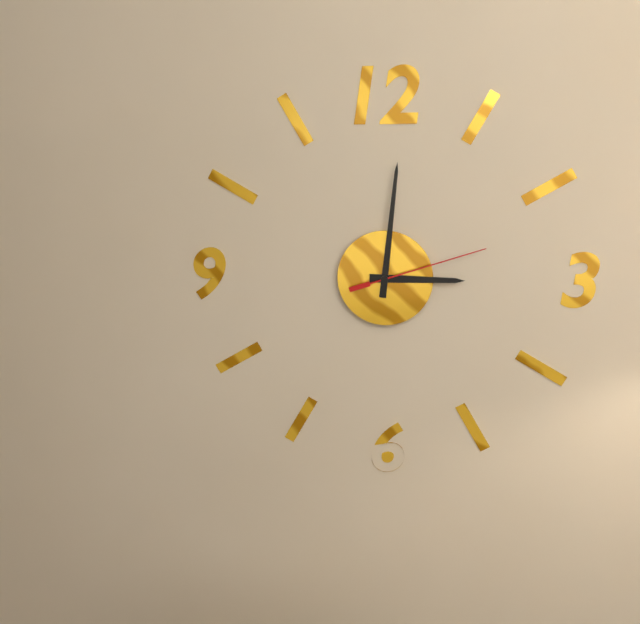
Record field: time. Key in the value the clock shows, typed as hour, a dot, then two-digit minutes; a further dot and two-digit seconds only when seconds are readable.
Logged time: 3.01.12
